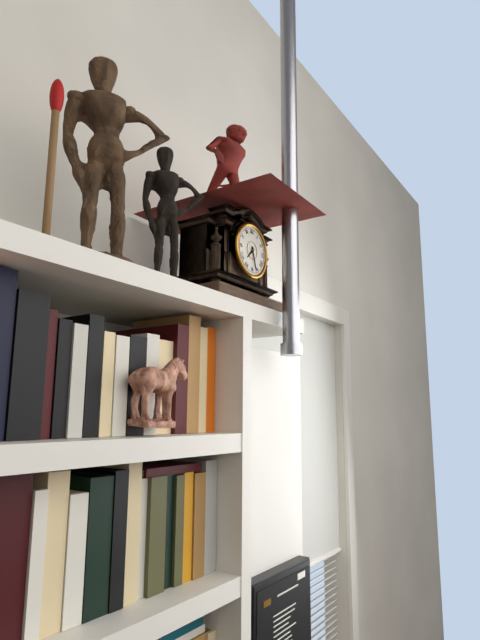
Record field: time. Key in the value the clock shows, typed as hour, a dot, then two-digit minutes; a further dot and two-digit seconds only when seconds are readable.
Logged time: 7.27
